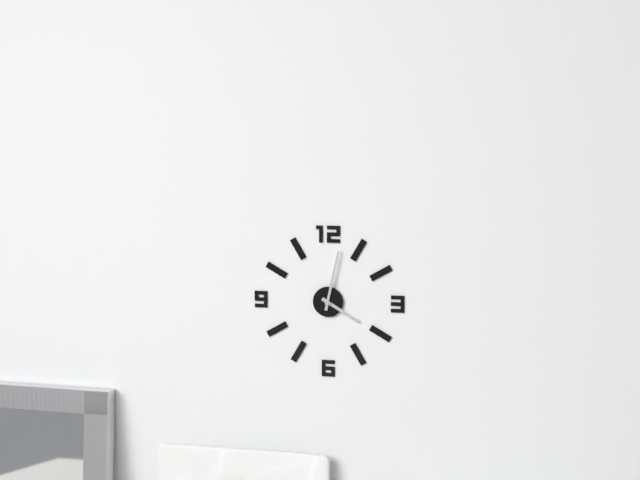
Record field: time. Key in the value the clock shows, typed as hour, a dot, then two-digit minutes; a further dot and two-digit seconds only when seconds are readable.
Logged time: 4.02
